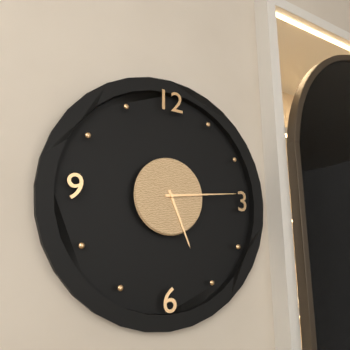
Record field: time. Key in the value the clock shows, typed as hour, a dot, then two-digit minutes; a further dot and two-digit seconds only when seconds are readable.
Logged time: 5.14
